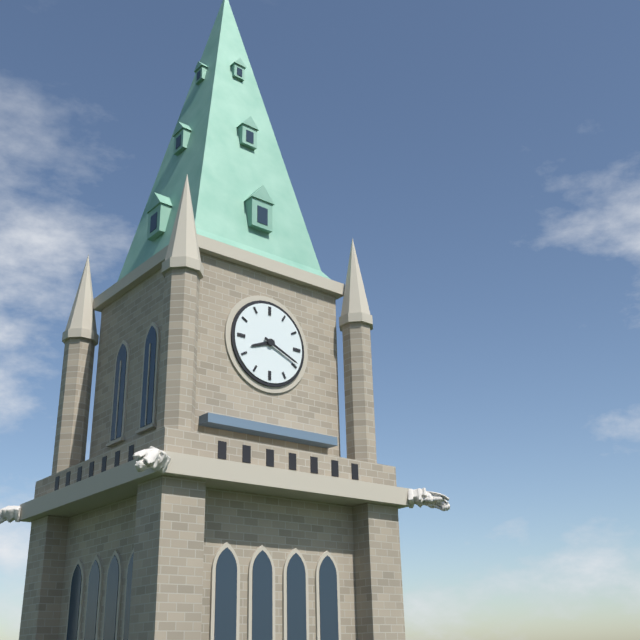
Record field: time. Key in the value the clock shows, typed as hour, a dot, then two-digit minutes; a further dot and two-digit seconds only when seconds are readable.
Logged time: 8.19
